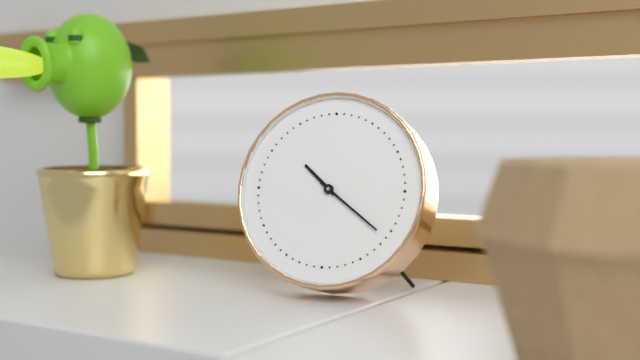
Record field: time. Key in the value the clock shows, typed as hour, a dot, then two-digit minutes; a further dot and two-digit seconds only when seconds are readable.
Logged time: 10.21
